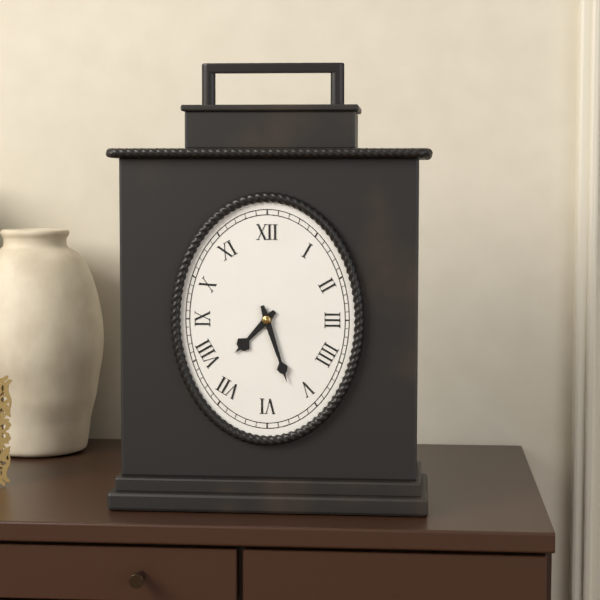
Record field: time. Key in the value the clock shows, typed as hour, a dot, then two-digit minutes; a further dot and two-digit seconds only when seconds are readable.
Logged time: 7.27
